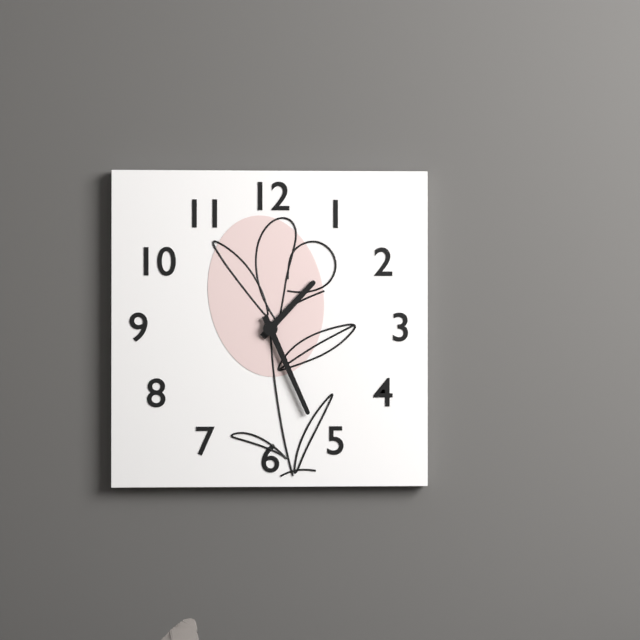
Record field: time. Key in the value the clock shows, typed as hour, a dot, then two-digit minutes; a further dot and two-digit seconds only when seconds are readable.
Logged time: 1.26
